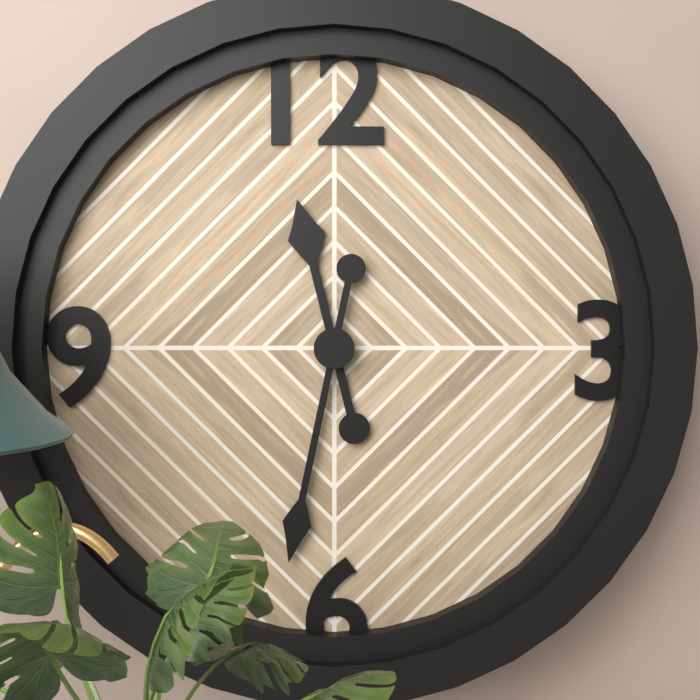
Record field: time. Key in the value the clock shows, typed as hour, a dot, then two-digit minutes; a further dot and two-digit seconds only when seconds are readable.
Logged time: 11.32
